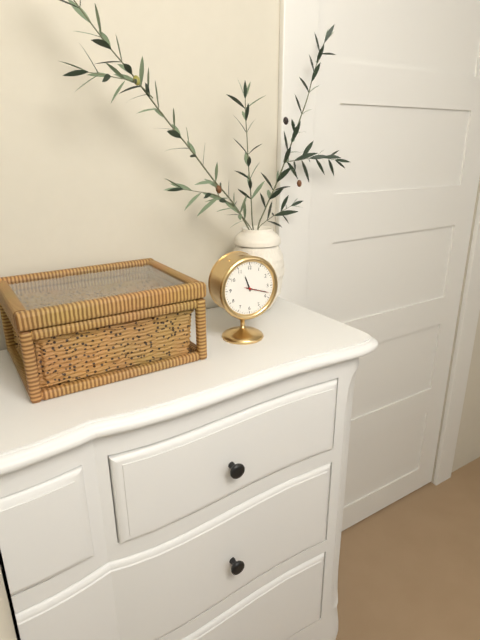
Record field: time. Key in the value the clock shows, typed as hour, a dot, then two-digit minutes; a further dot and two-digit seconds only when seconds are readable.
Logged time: 11.18
